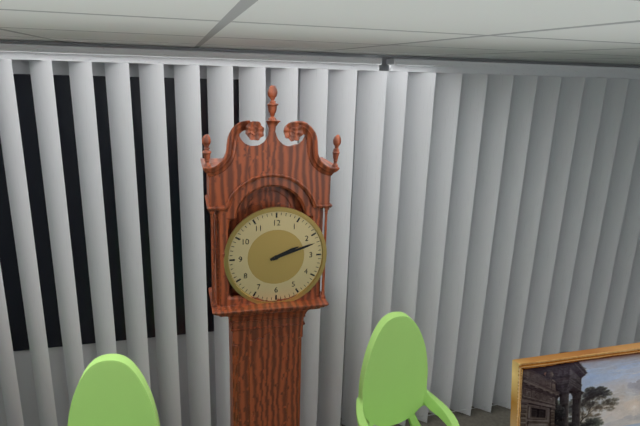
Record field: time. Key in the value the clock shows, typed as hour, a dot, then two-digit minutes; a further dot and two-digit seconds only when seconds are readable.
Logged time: 2.12
